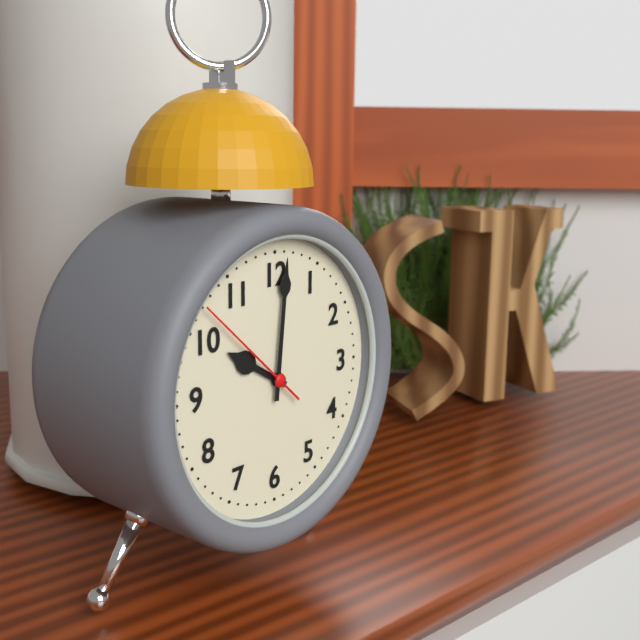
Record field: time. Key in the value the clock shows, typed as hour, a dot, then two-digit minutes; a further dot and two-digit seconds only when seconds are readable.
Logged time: 10.01.52
